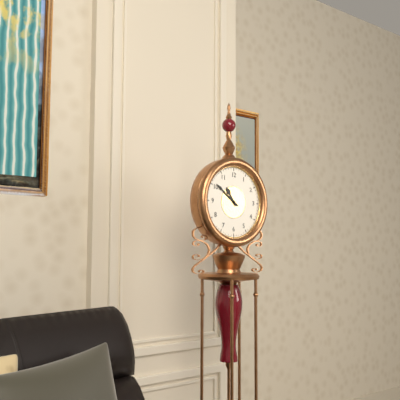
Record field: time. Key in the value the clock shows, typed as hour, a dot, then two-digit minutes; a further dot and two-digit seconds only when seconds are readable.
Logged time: 10.51
